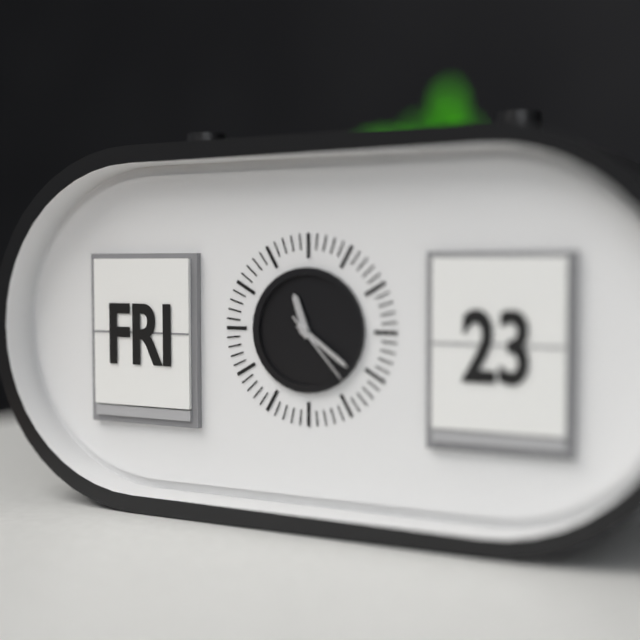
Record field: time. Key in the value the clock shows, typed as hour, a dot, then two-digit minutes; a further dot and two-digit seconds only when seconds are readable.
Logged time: 11.21.23
